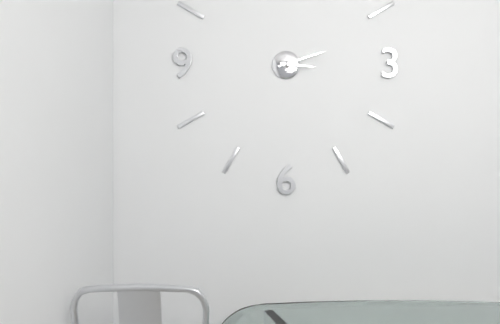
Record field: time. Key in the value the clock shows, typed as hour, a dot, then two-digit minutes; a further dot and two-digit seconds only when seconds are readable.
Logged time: 3.12
